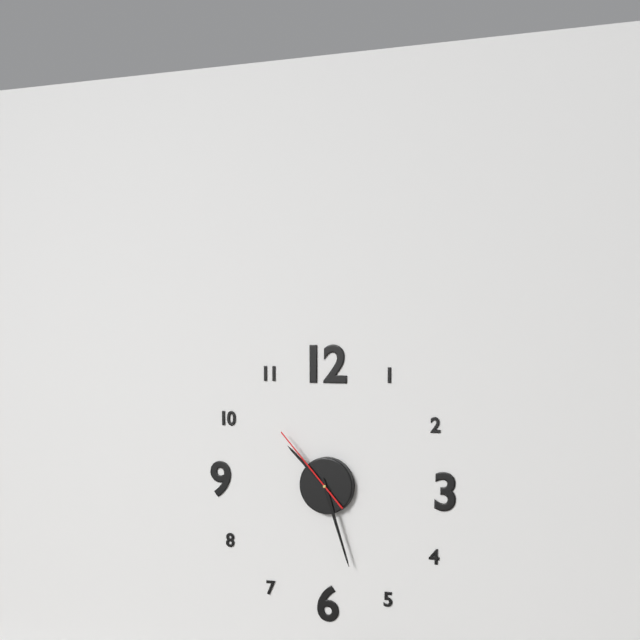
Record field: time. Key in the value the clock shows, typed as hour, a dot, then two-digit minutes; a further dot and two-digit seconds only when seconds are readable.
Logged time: 10.27.53
